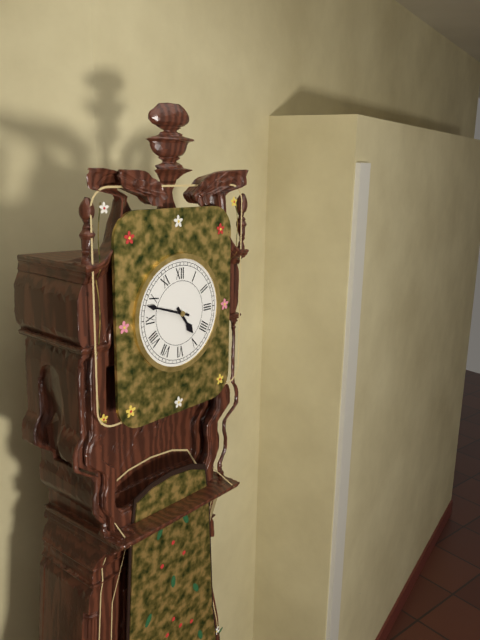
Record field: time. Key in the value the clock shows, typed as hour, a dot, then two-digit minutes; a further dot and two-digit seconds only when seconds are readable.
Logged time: 4.48
